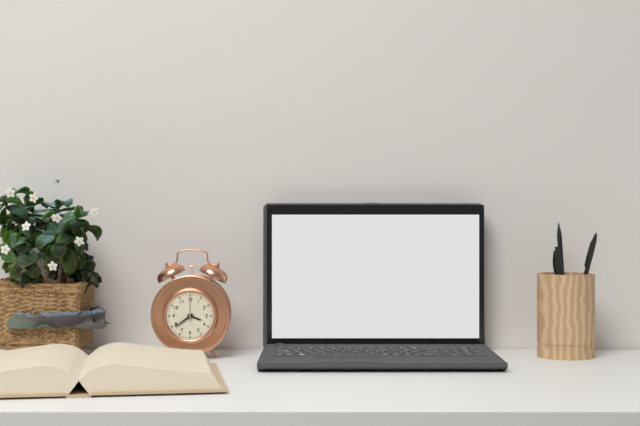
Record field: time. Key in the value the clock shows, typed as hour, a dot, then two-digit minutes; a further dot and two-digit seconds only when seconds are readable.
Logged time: 3.39
